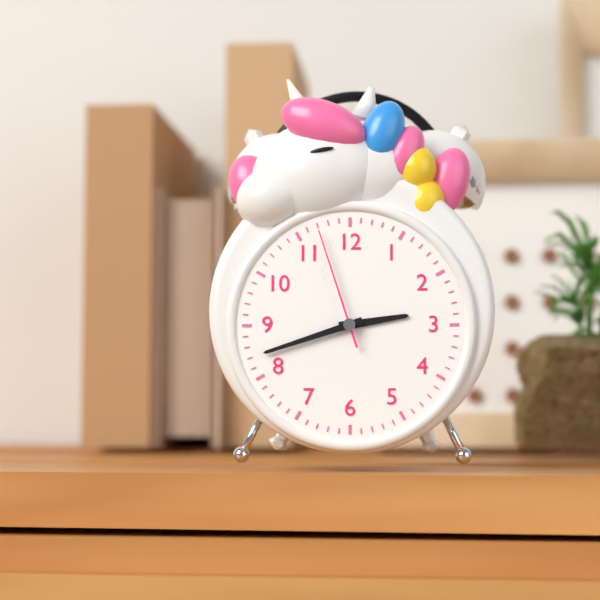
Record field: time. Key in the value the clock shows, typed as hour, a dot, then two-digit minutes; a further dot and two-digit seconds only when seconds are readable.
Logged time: 2.42.57
